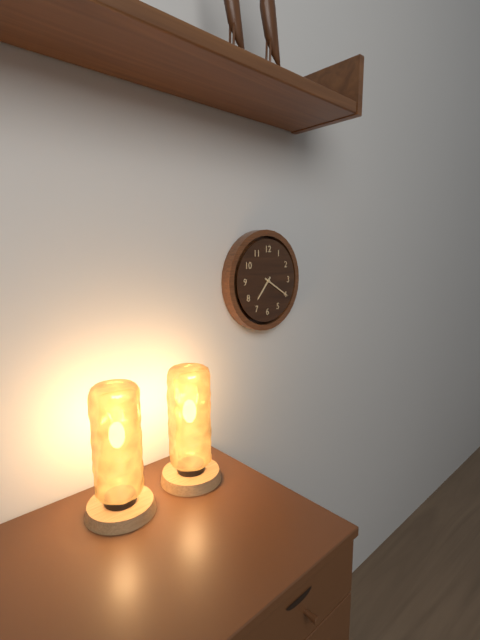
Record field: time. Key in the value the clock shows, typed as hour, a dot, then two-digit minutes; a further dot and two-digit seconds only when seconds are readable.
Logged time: 7.20
